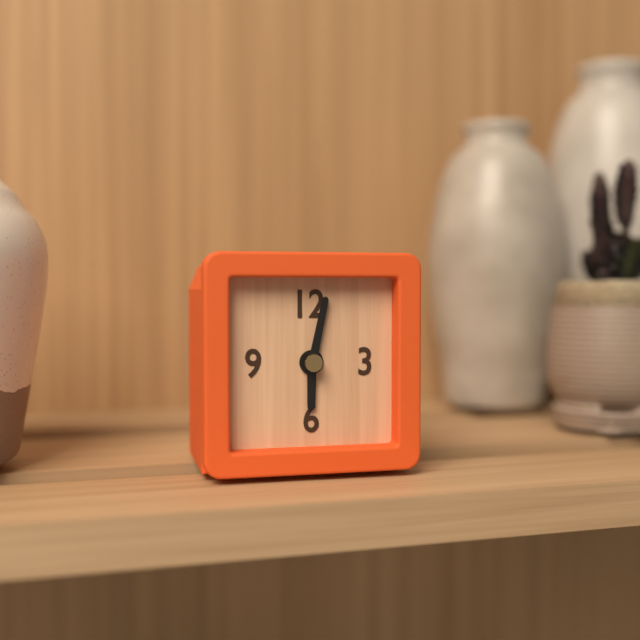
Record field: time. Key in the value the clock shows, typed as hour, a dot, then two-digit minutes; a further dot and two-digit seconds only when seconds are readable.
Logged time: 6.02
